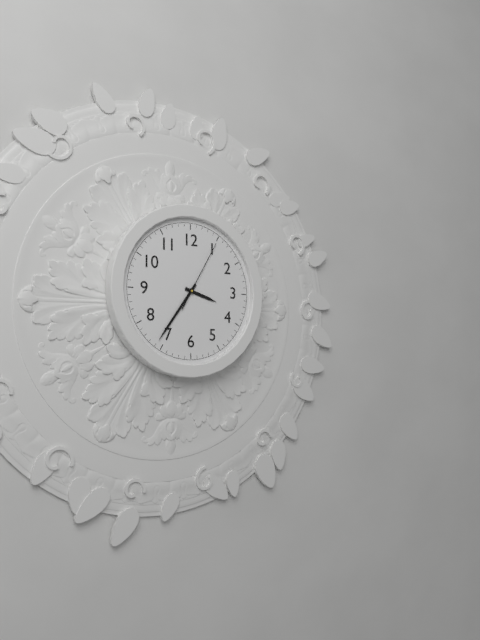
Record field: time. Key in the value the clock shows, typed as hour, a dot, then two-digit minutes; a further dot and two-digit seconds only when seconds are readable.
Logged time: 3.36.05
